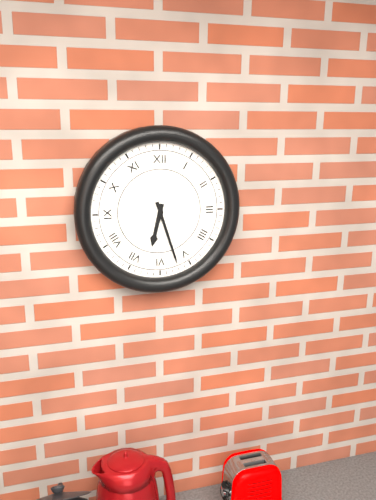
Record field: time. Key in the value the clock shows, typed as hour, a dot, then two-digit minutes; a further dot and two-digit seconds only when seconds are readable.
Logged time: 6.27
